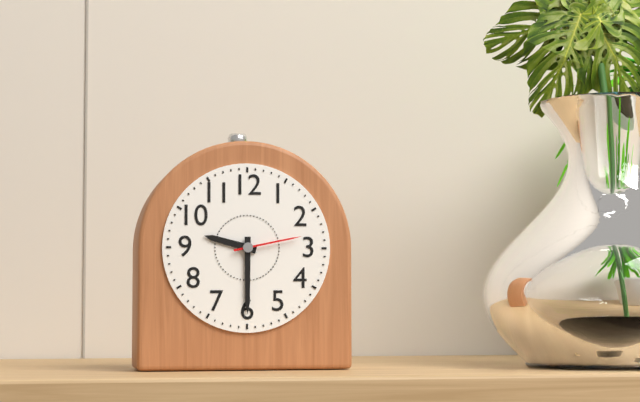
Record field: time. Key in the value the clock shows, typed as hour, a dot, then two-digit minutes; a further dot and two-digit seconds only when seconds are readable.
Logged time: 9.30.13
